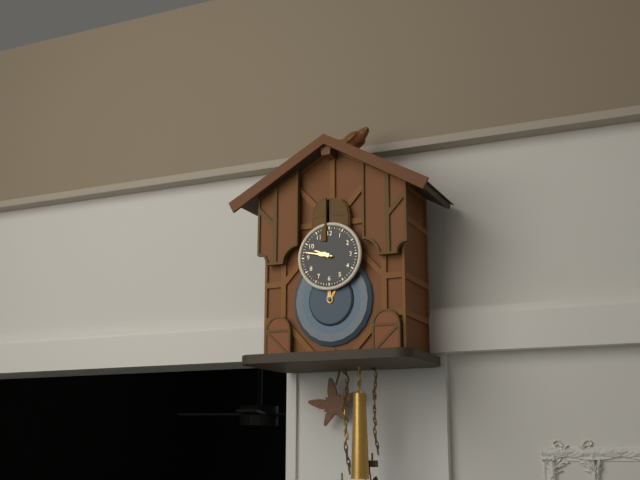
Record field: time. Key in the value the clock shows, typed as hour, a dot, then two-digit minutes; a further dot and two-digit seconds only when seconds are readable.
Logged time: 9.47
